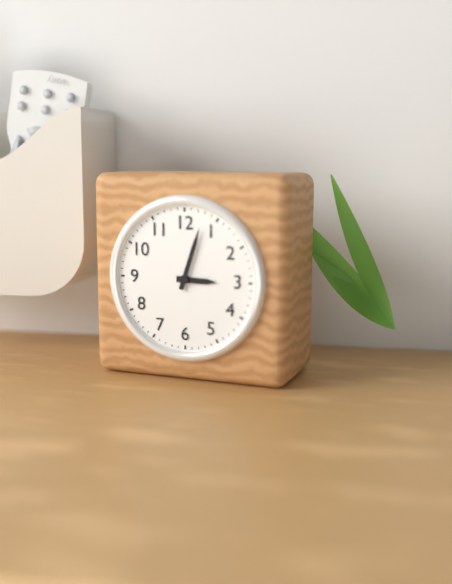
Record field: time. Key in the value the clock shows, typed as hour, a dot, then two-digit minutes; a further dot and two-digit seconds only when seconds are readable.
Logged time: 3.03
